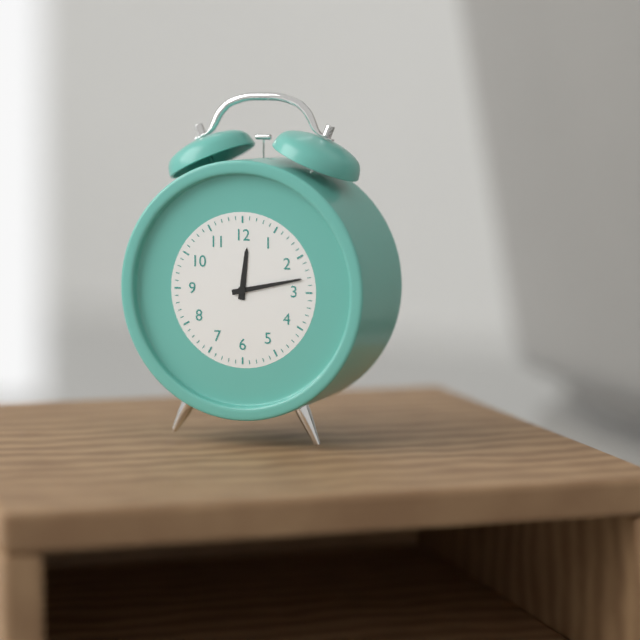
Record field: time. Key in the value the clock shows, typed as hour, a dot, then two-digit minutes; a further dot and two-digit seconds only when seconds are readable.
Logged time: 12.13
